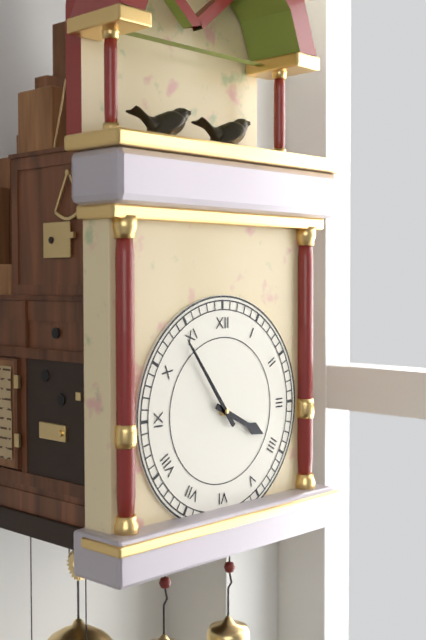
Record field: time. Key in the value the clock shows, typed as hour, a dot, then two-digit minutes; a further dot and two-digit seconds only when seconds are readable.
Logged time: 3.54
